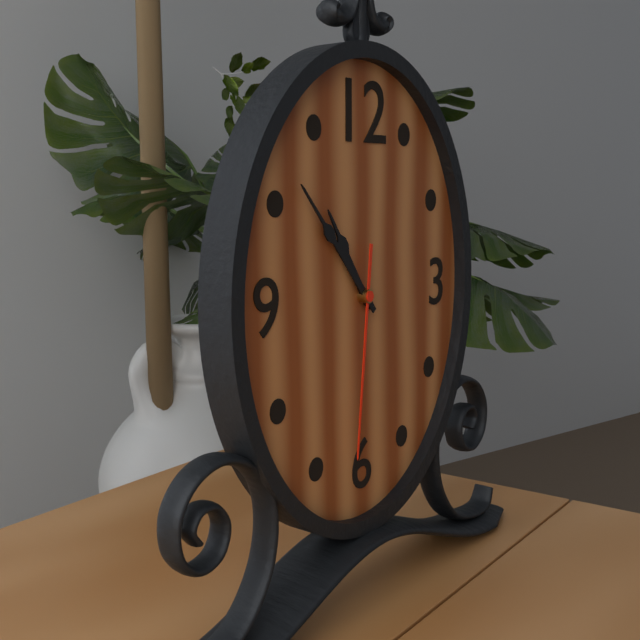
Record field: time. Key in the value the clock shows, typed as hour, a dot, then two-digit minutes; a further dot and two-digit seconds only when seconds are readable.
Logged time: 10.53.31
